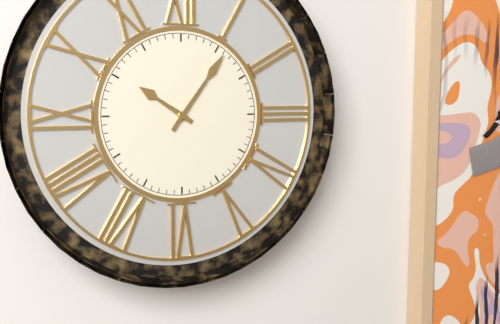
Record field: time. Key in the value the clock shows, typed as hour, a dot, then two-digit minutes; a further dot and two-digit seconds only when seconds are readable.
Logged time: 10.06
